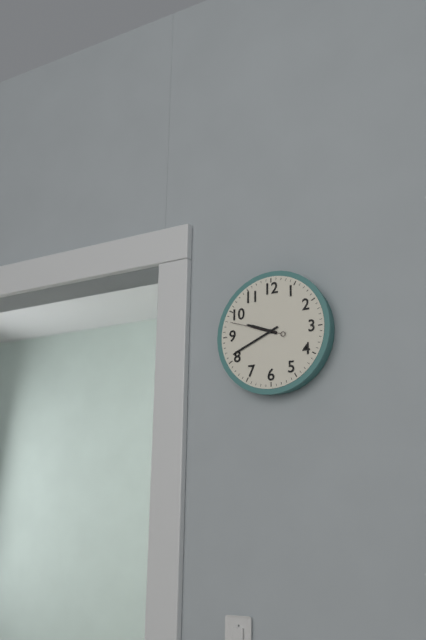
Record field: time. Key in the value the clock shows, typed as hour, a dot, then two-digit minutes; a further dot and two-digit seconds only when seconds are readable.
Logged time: 9.41.48
